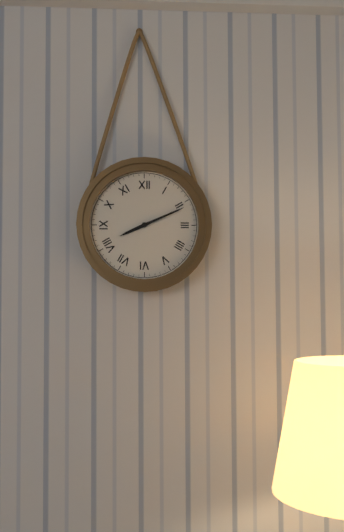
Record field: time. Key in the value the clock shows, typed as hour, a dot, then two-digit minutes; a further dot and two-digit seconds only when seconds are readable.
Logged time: 8.11
